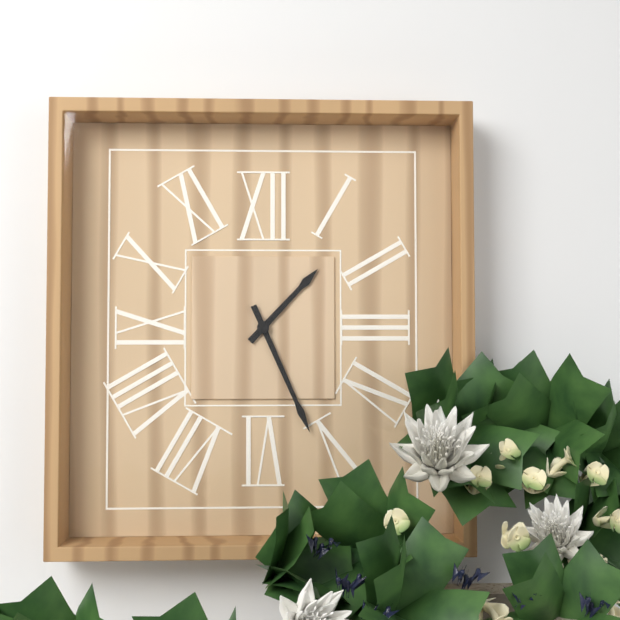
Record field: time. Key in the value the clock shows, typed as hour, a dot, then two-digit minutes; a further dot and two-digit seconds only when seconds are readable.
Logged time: 1.26
